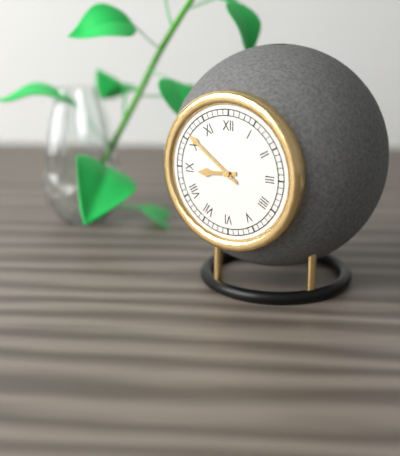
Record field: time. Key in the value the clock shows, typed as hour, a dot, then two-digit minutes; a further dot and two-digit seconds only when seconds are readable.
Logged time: 8.51
